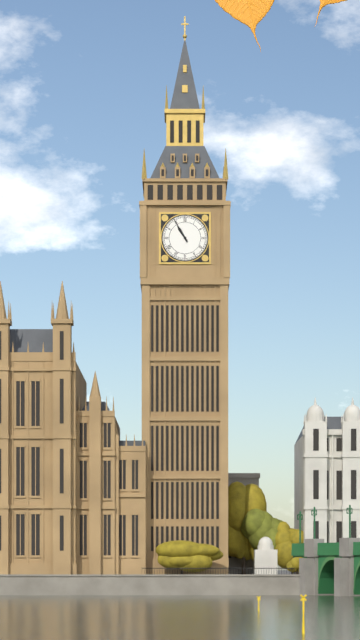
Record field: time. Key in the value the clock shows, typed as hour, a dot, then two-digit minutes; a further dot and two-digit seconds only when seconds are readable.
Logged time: 10.55
